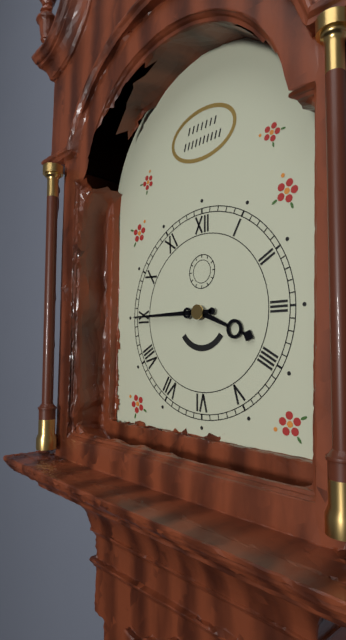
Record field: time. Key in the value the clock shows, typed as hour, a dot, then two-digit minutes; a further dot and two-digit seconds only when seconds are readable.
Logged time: 3.45
